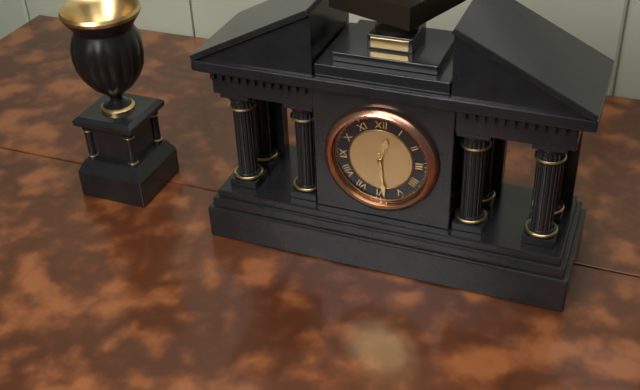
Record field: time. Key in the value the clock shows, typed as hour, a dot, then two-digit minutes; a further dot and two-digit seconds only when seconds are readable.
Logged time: 12.29
